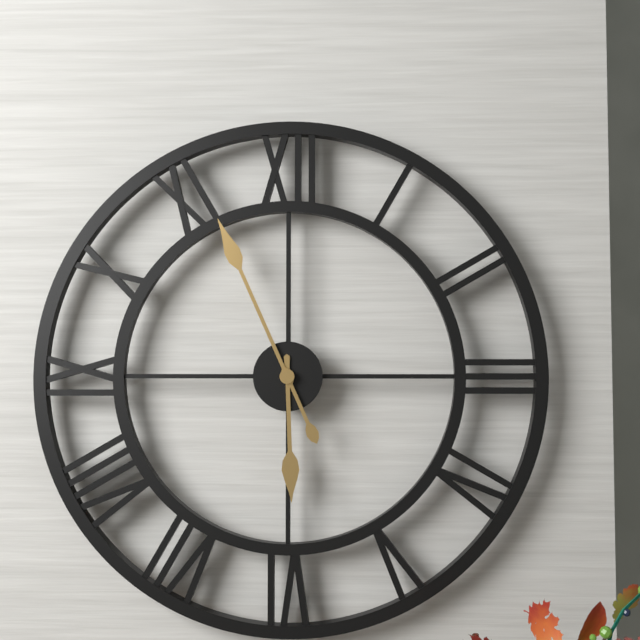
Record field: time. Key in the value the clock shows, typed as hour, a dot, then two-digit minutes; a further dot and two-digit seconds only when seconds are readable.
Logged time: 5.56
